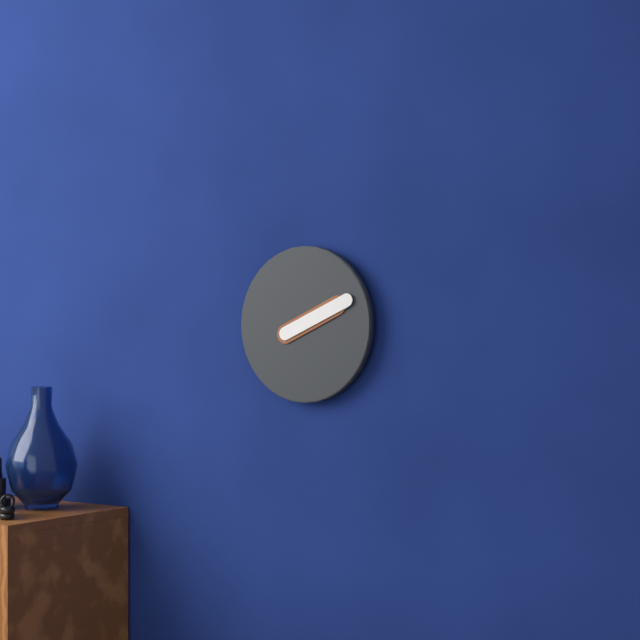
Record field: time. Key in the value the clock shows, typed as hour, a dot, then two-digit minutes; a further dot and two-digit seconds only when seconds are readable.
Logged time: 2.11
